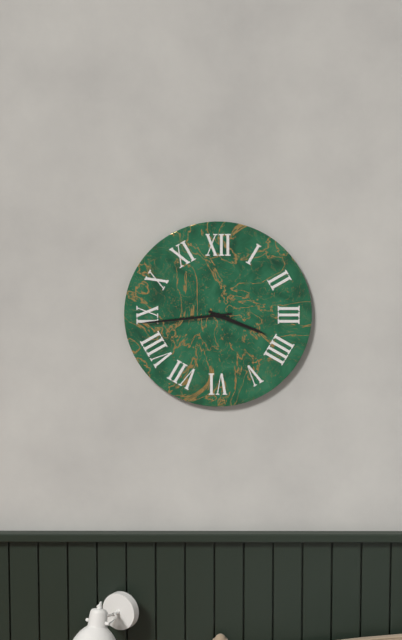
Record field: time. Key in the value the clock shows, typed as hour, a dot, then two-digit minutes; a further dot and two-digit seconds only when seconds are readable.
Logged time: 3.44
